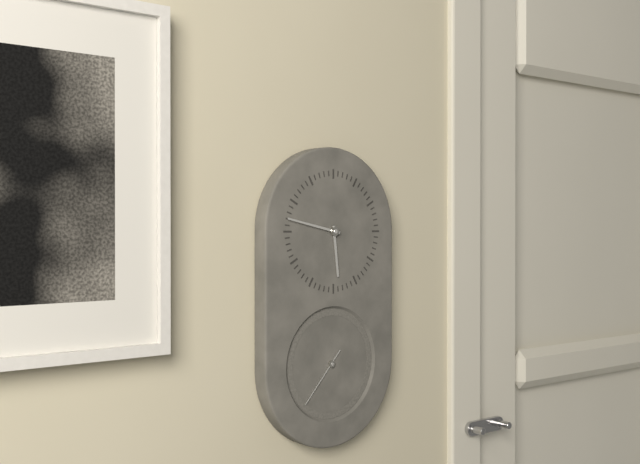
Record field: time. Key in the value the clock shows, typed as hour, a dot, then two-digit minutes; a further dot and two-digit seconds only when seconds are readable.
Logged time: 5.47.37
